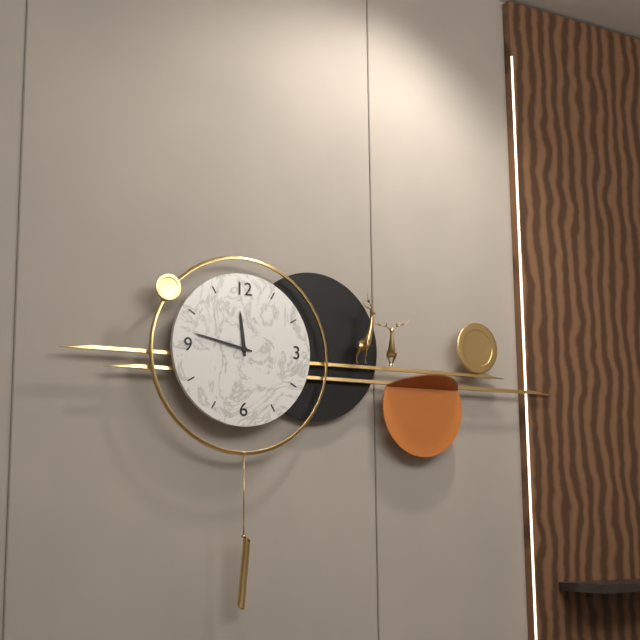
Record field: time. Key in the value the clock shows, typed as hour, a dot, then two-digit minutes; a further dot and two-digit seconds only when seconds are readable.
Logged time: 11.47
